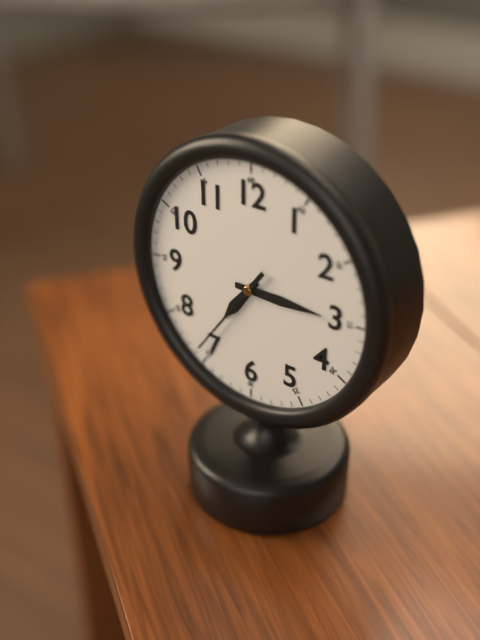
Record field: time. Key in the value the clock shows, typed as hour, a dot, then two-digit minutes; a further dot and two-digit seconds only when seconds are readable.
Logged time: 7.15.36
